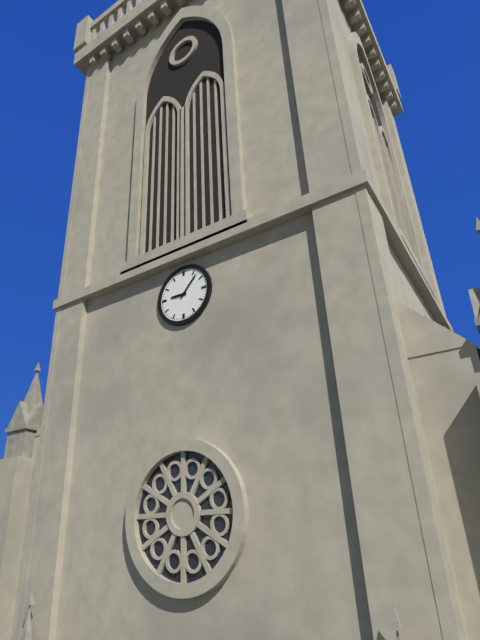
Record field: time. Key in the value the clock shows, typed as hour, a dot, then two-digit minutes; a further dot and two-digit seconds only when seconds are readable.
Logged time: 9.07
